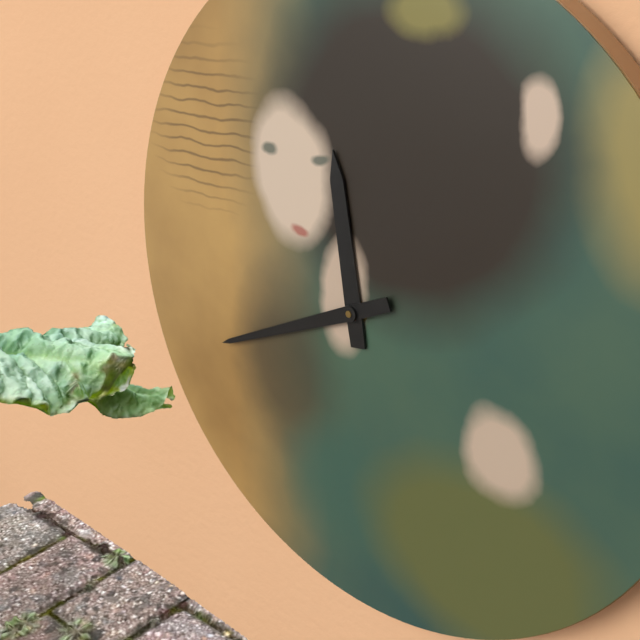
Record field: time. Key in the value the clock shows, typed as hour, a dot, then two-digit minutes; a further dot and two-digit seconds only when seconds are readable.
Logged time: 11.41
